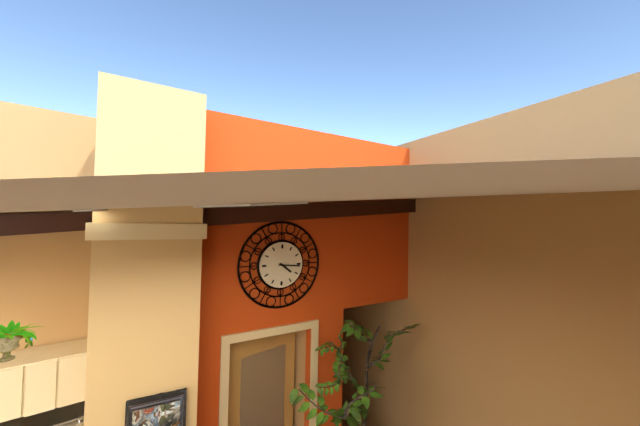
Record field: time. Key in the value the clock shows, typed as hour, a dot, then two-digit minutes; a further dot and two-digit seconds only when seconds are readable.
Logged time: 4.16
